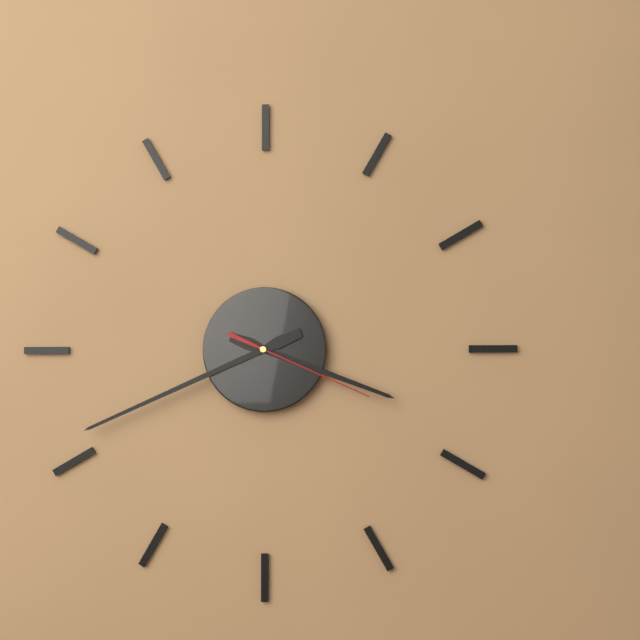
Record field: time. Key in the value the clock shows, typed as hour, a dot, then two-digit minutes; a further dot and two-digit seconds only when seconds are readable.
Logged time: 3.41.19
